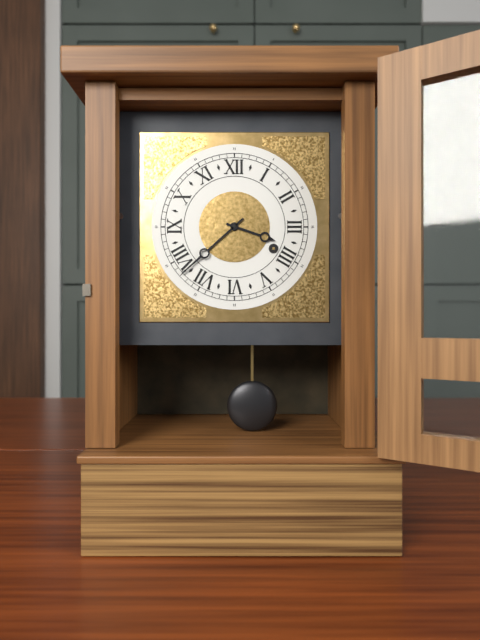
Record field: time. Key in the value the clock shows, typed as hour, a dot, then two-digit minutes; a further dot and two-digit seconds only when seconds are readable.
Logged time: 3.38
